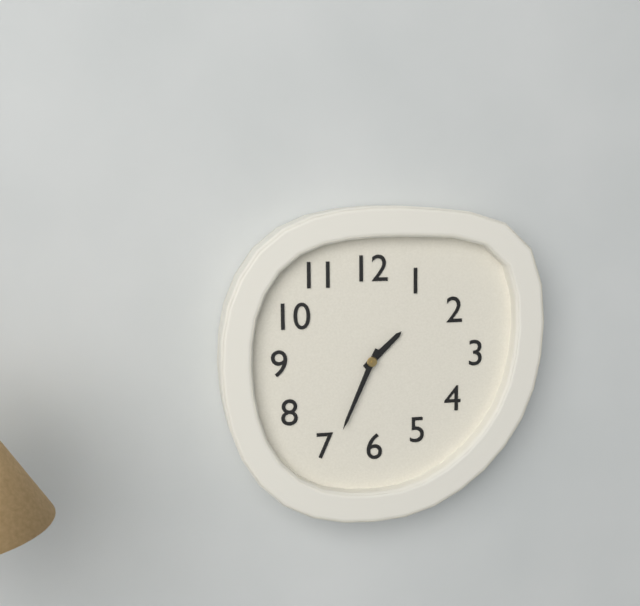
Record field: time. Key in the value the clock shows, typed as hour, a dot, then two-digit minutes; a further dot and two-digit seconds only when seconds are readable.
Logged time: 1.34
